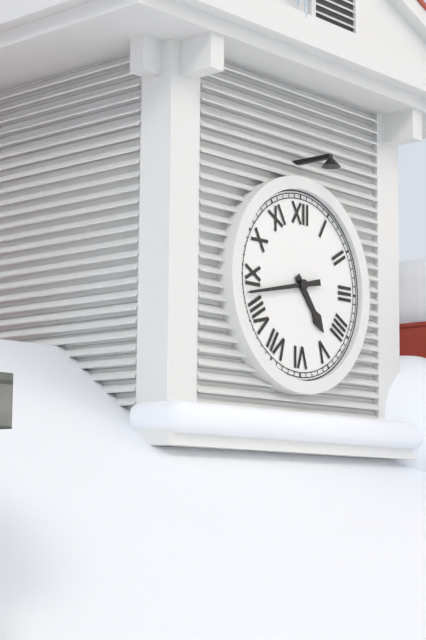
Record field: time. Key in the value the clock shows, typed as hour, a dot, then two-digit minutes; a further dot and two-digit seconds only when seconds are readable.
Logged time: 4.43
